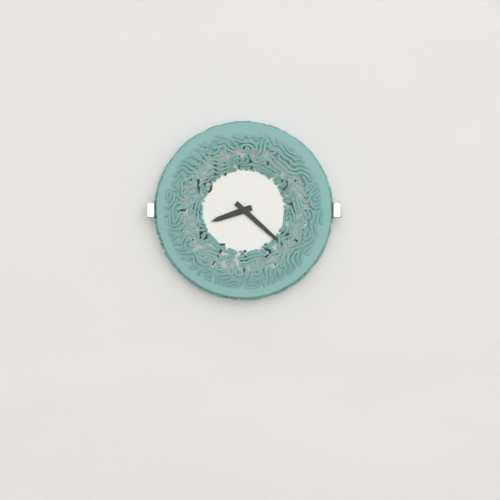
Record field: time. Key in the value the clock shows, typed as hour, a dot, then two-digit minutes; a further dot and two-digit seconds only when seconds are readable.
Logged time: 8.22
